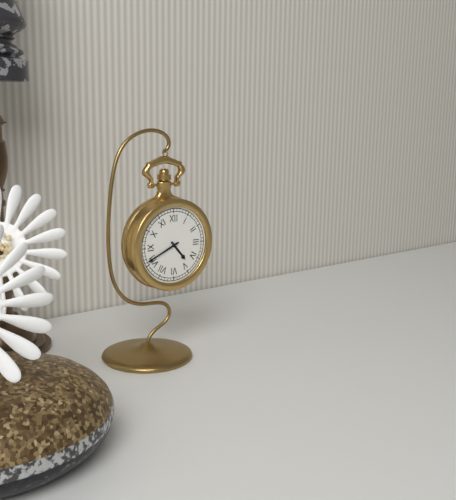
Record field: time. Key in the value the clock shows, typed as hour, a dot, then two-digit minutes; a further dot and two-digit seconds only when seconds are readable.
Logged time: 4.41
